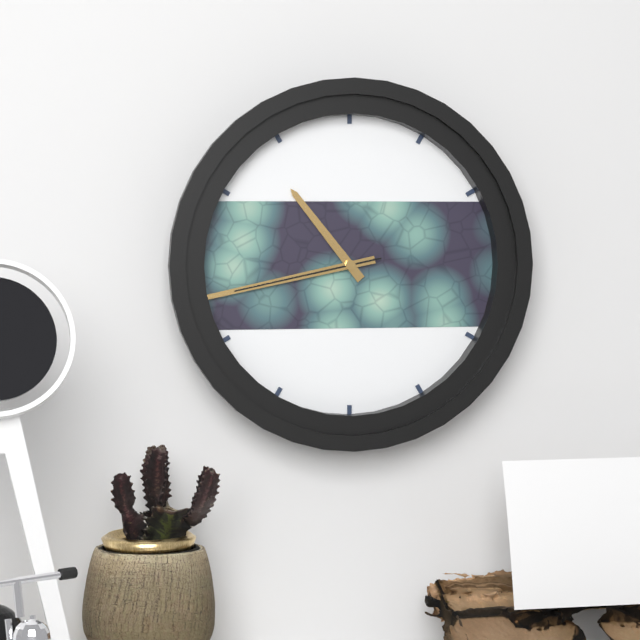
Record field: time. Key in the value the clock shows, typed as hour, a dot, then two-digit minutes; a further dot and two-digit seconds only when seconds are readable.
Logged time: 10.43.43
